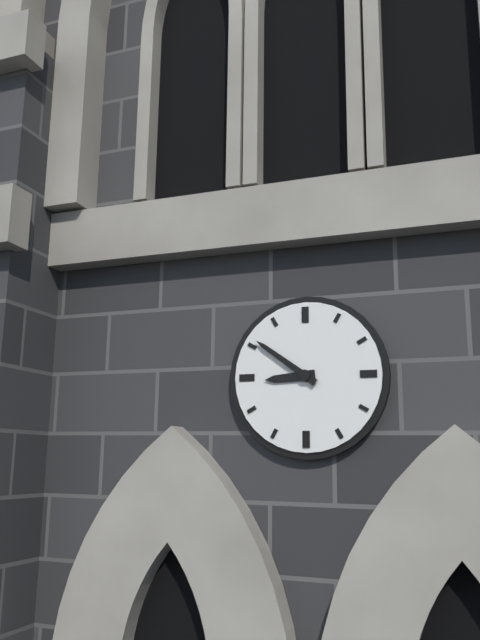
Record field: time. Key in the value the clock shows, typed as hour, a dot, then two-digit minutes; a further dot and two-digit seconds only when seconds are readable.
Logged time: 8.51
